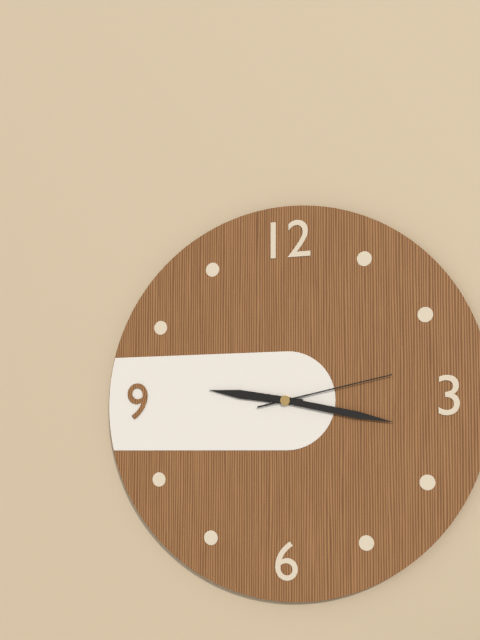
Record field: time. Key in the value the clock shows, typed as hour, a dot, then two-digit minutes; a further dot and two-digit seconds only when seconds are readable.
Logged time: 9.17.13
